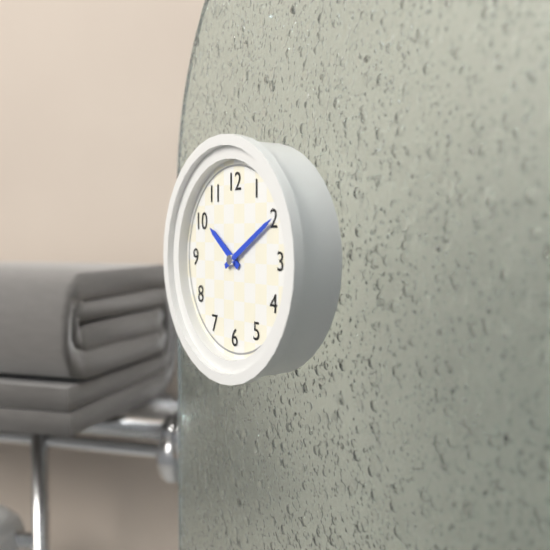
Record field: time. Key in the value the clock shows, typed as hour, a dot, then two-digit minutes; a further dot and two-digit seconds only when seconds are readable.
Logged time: 10.10
